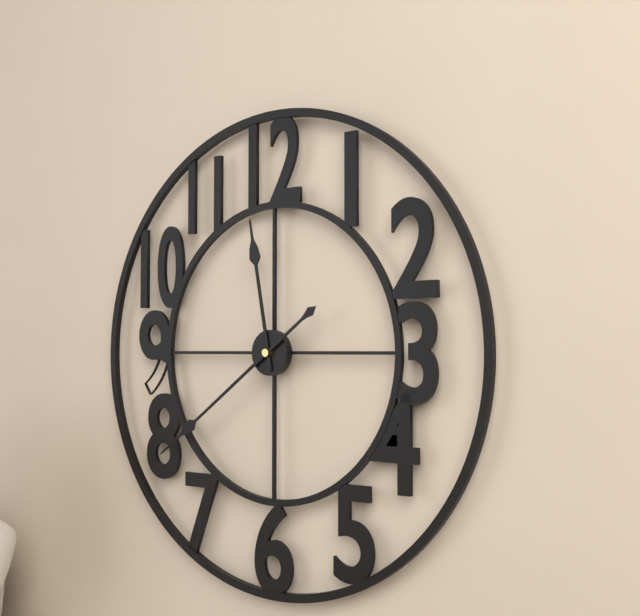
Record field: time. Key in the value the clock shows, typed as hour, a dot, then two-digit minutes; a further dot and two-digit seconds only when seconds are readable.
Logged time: 11.39
